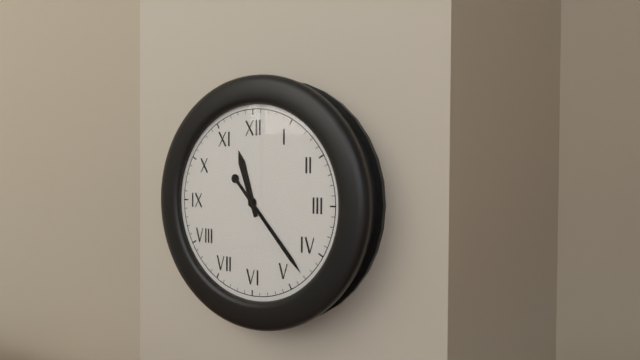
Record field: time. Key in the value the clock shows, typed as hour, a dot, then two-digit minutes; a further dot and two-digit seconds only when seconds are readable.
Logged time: 11.23
